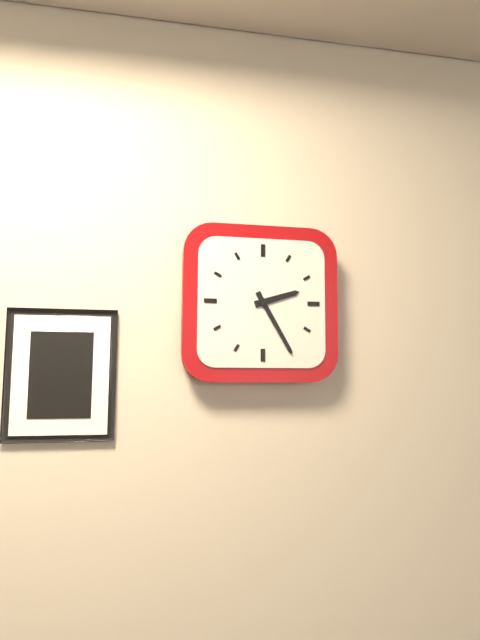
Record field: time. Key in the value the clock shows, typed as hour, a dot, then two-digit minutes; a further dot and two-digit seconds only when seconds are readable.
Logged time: 2.25
